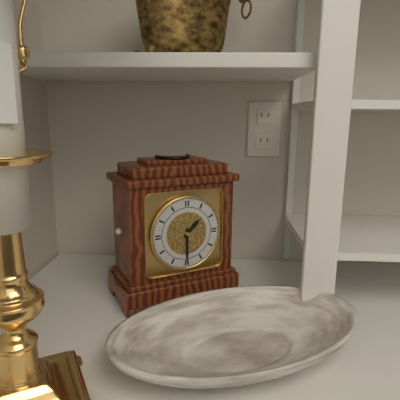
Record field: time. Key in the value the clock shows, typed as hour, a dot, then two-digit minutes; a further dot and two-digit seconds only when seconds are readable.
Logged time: 1.30
